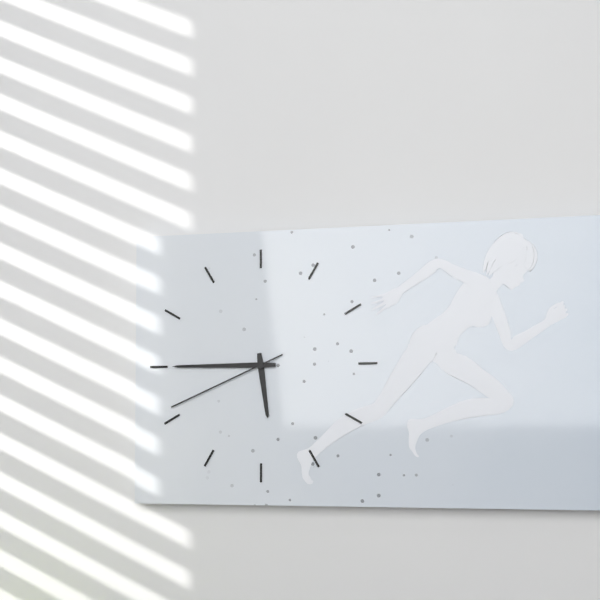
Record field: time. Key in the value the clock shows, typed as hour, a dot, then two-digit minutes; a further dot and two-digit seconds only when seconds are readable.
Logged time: 5.45.41
